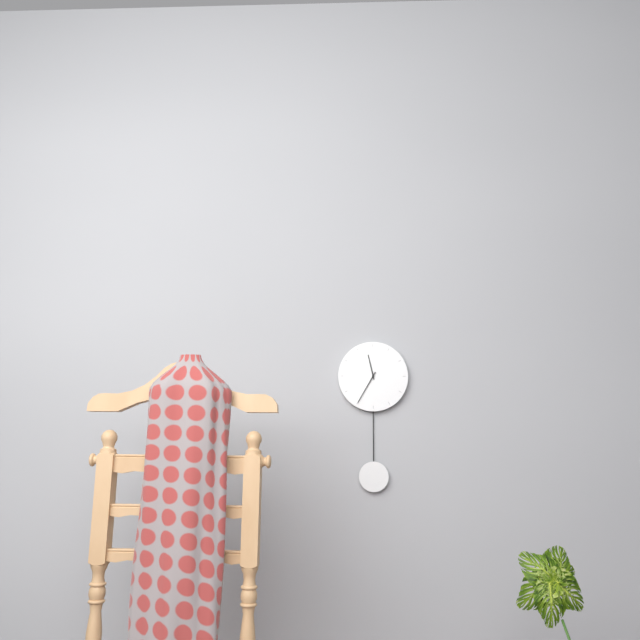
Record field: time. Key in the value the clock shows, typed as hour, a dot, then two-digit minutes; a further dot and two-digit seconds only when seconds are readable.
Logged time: 11.35
